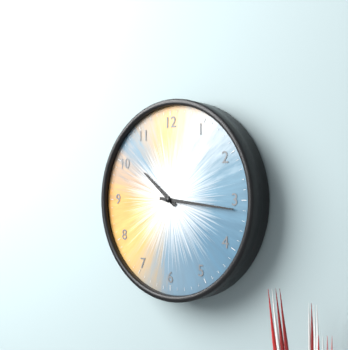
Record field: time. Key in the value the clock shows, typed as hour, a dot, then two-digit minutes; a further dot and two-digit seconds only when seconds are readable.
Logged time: 10.16
